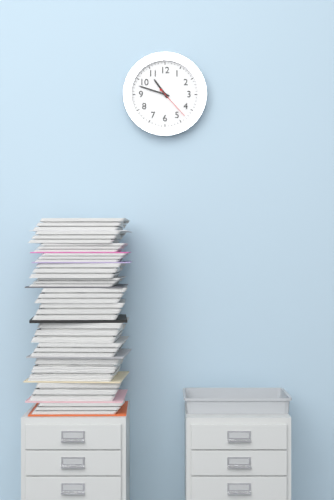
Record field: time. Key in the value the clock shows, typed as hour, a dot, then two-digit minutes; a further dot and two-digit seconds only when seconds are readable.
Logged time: 10.48
